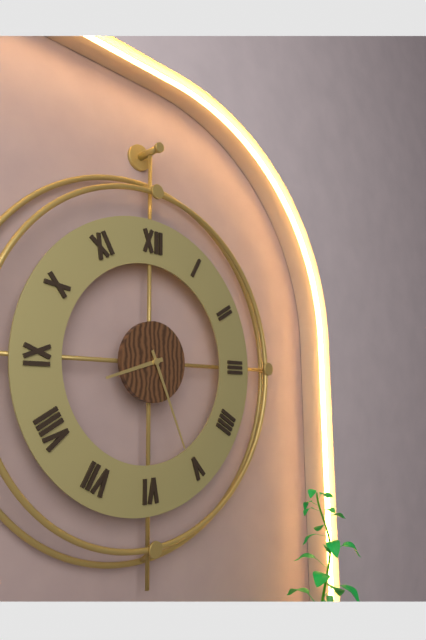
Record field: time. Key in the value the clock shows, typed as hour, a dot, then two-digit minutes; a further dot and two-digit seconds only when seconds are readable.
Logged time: 8.26
